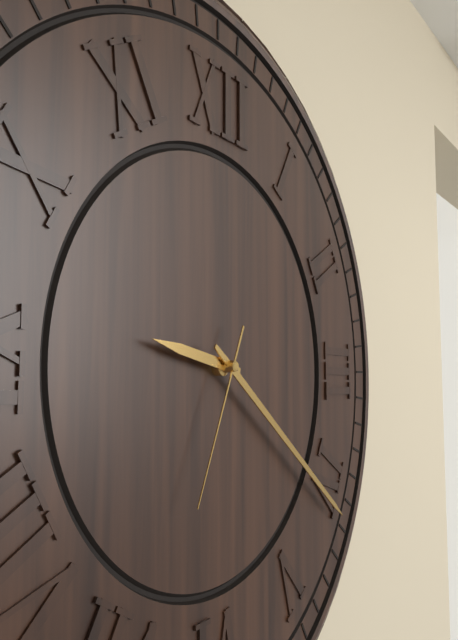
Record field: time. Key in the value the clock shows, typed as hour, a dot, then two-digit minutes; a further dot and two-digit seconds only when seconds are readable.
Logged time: 9.21.34
